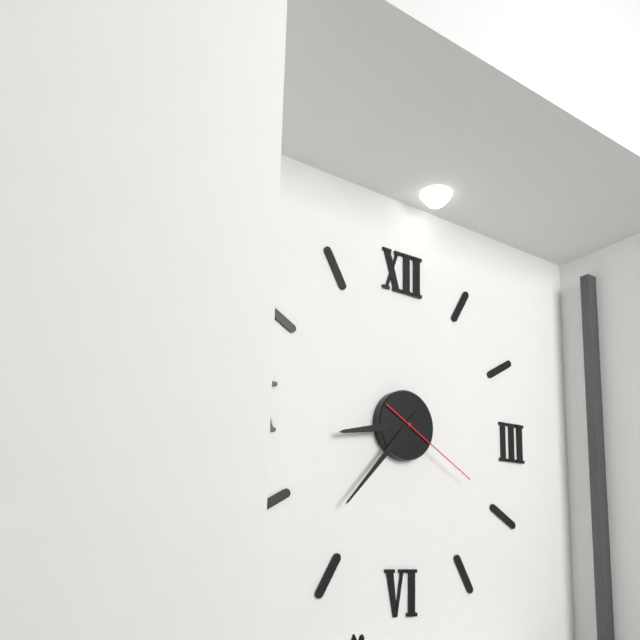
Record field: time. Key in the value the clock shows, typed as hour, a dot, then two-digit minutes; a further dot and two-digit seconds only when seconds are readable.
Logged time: 8.37.20
